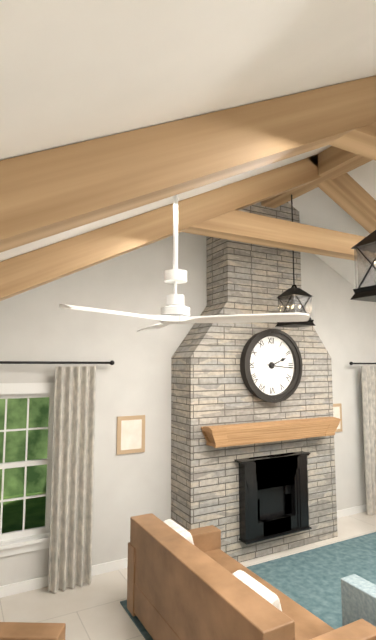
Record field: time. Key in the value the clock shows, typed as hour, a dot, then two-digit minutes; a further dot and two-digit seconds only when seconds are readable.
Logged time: 2.16
